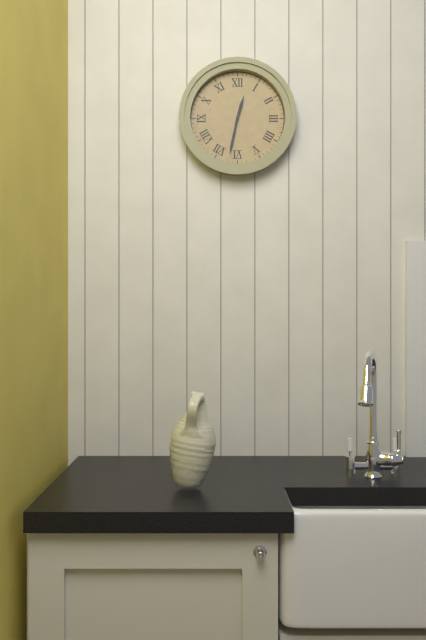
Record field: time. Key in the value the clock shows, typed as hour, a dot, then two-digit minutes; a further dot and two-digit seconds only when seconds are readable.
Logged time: 12.32
